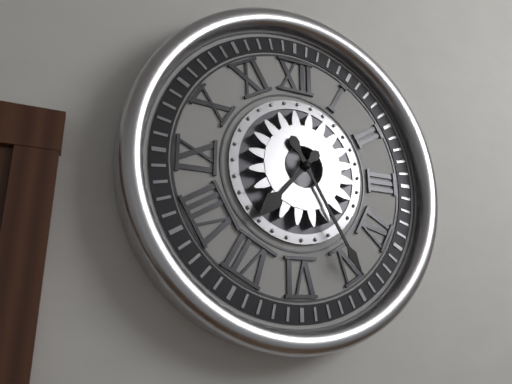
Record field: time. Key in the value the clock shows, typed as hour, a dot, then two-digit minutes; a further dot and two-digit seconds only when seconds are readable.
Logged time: 7.25
